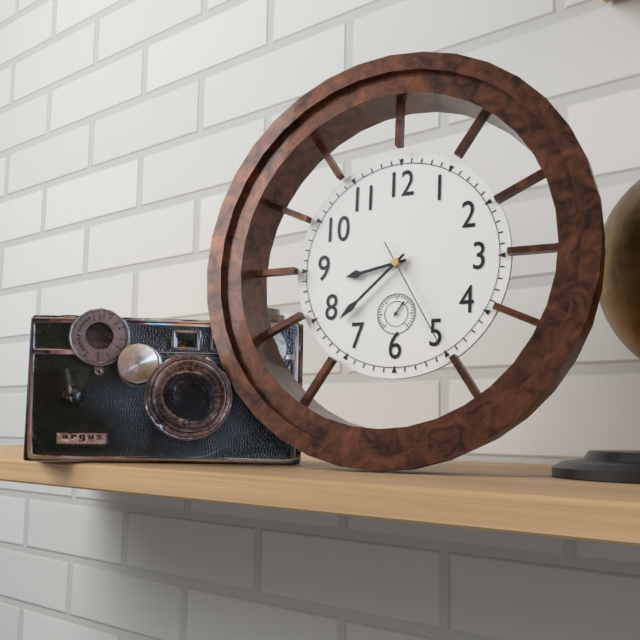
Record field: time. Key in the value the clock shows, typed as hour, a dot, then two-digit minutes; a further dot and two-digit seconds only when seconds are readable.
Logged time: 8.38.25
